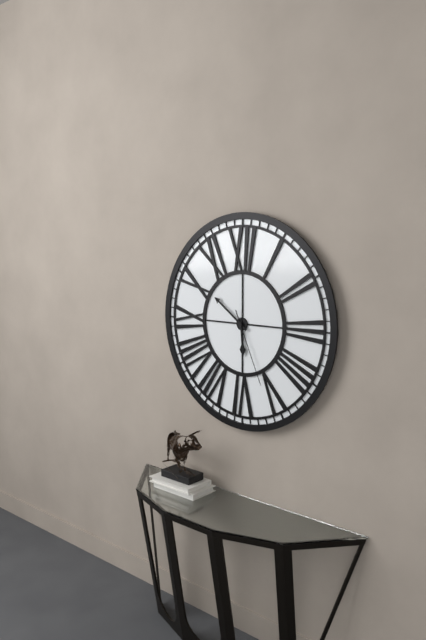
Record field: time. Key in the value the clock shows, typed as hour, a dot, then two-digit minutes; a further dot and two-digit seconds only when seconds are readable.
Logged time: 5.51.26
